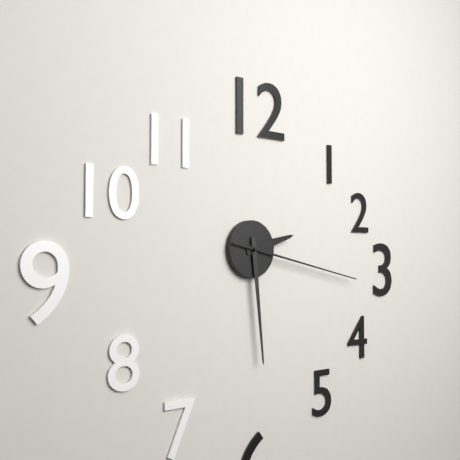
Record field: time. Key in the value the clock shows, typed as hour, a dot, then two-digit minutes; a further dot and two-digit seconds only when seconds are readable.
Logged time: 2.29.17
